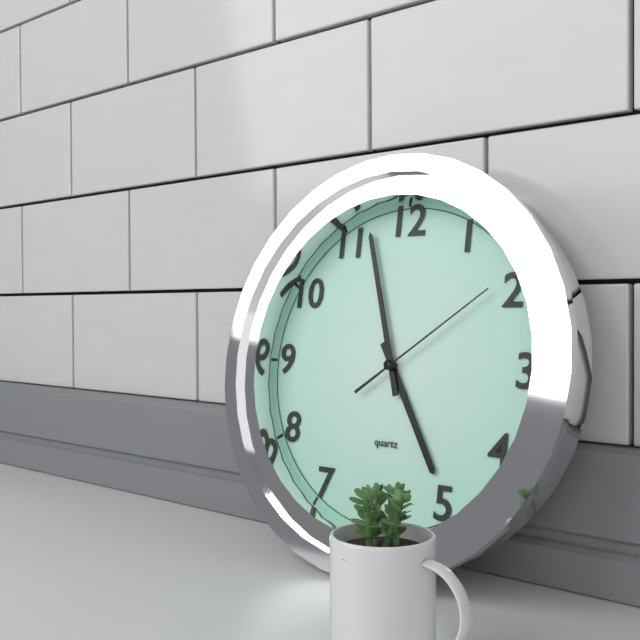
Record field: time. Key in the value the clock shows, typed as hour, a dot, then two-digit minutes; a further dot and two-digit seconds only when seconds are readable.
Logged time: 4.57.09
